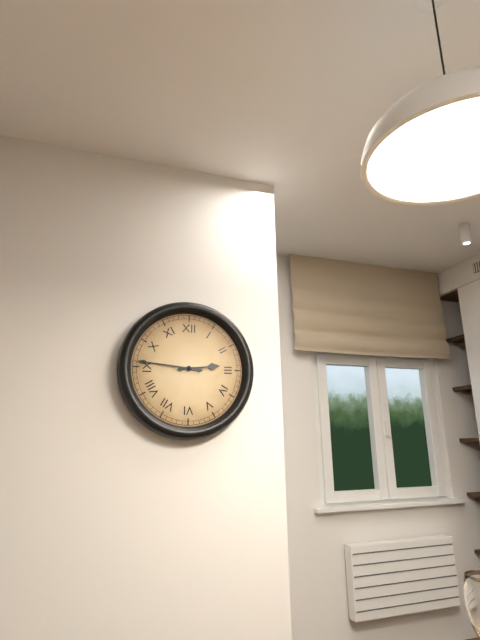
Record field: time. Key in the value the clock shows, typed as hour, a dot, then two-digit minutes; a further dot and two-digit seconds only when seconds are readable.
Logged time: 2.46
